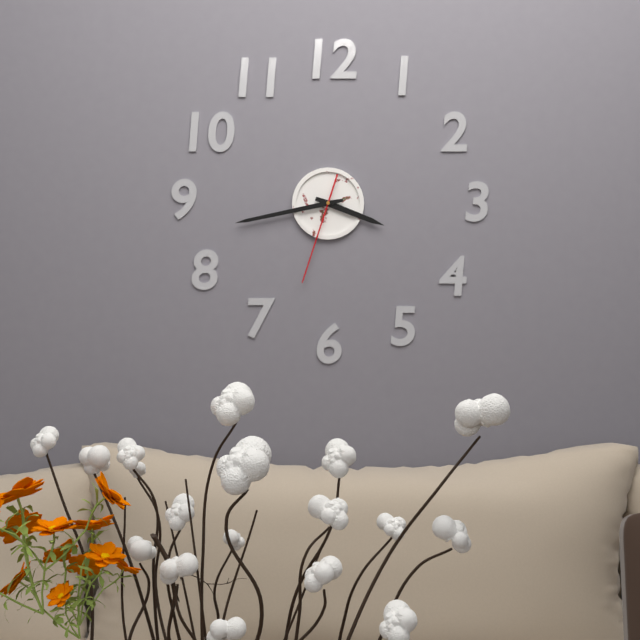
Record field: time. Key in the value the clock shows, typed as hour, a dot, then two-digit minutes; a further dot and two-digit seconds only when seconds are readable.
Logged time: 3.43.33
